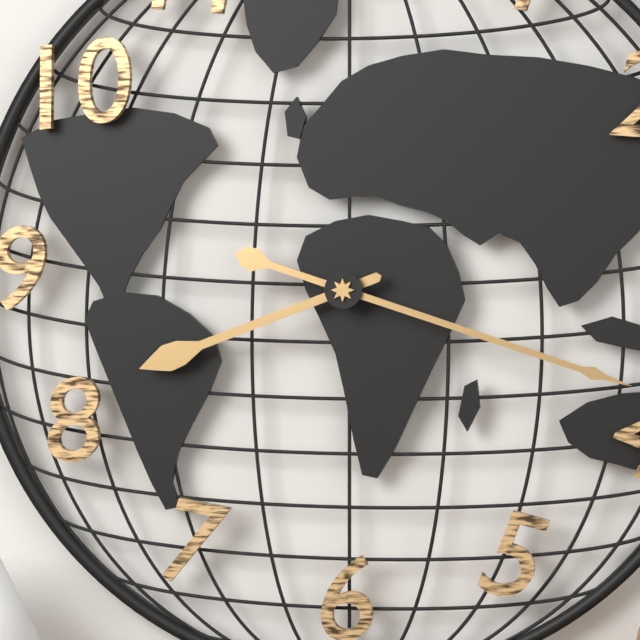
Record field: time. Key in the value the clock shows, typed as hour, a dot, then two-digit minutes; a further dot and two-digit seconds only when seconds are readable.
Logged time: 8.18
